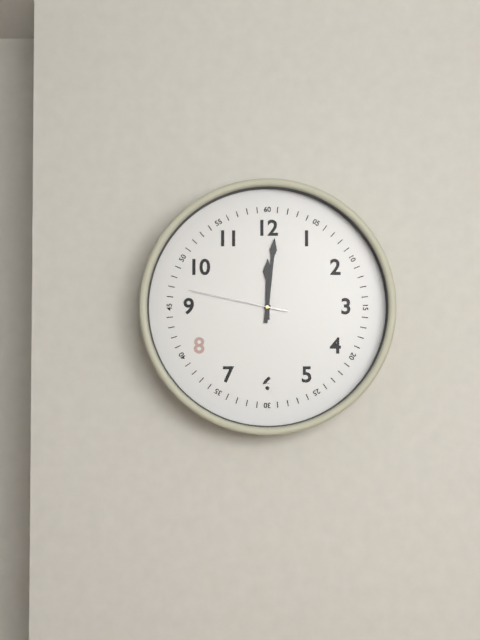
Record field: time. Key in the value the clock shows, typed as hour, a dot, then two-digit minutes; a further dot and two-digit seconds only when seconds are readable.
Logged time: 12.01.47
